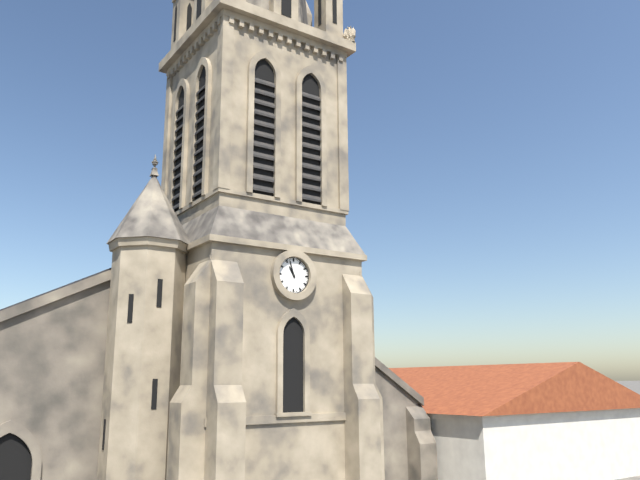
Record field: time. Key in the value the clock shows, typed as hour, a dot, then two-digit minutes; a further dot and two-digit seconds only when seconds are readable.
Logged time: 10.57
